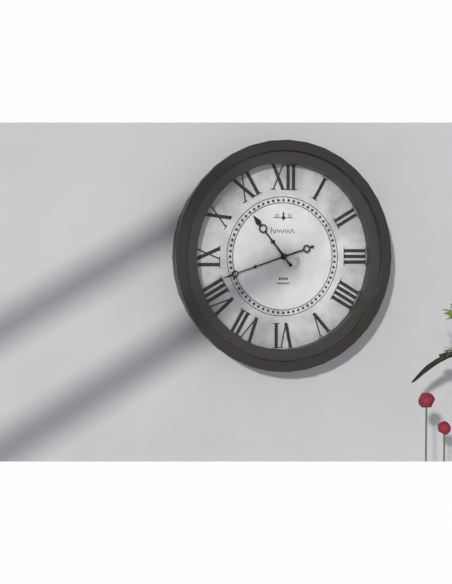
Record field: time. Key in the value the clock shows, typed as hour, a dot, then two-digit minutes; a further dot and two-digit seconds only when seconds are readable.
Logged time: 10.42
